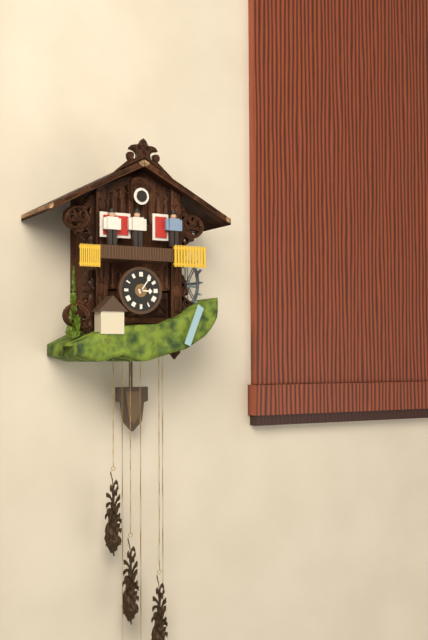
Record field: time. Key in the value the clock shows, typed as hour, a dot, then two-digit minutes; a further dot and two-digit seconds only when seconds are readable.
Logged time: 3.06
